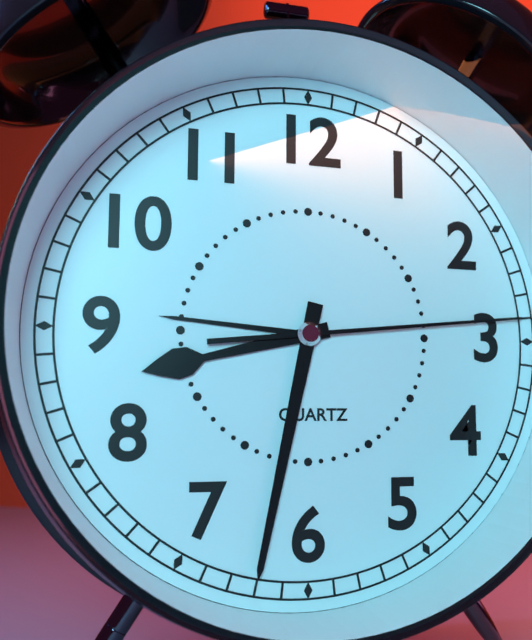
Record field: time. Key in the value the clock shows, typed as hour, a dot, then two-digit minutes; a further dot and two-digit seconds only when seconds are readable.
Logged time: 8.32.14
